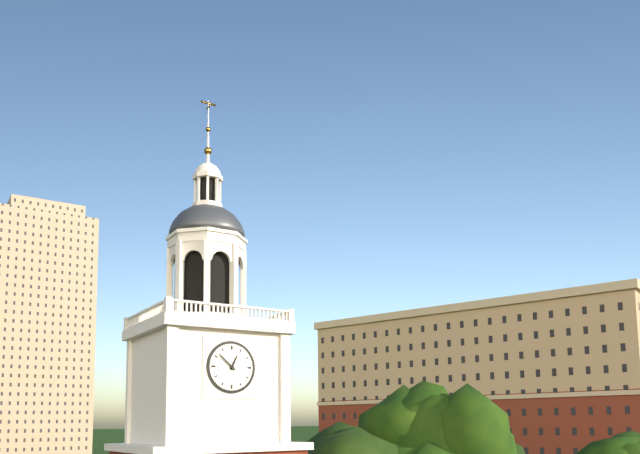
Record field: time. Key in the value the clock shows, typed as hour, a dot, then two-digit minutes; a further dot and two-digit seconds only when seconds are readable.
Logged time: 12.52
